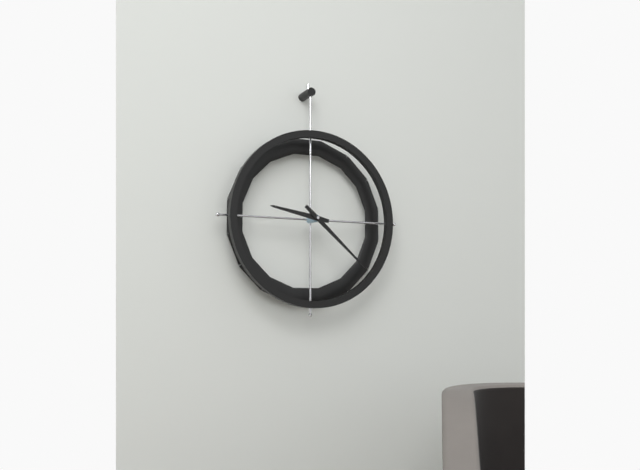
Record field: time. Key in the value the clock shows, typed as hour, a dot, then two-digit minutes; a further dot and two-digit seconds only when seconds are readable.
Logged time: 9.22
